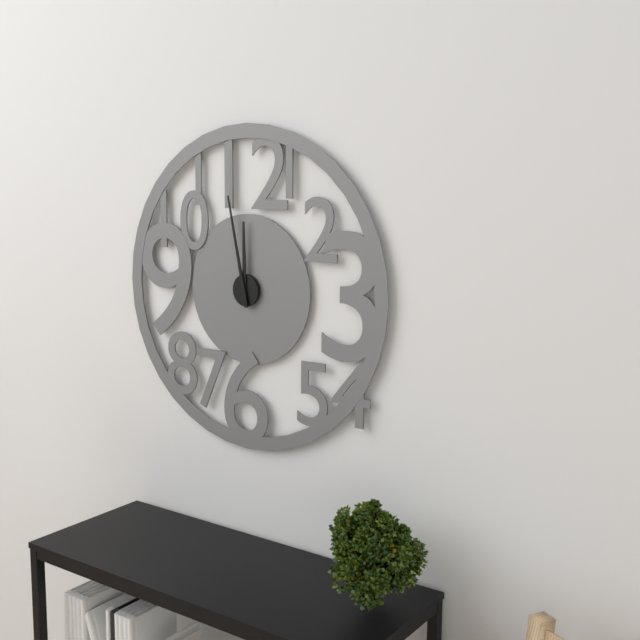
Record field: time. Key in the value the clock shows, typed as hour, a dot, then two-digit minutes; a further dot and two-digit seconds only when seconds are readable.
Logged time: 11.58
